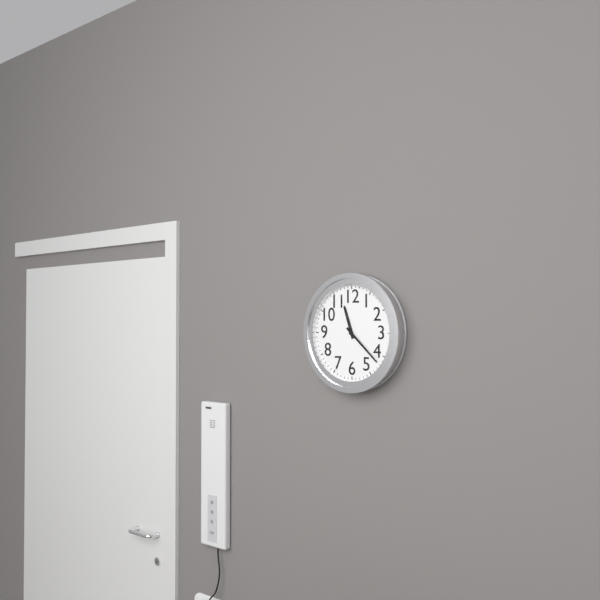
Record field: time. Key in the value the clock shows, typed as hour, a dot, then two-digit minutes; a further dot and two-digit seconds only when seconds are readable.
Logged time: 11.22
